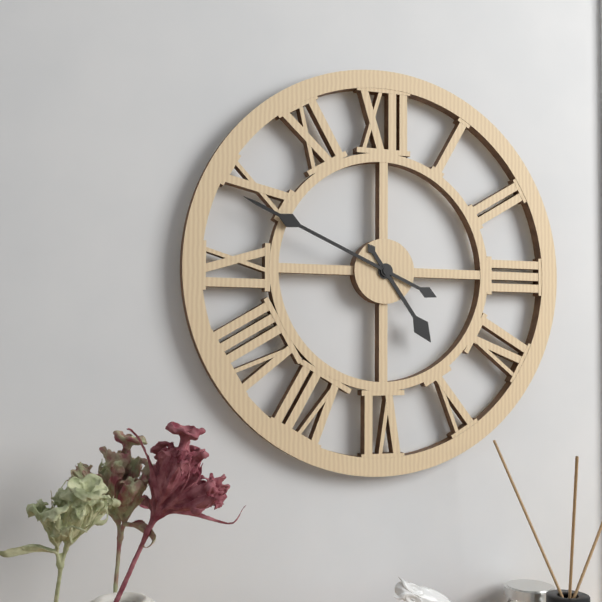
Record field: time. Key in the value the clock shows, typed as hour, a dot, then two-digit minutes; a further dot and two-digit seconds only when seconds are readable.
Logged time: 4.49
